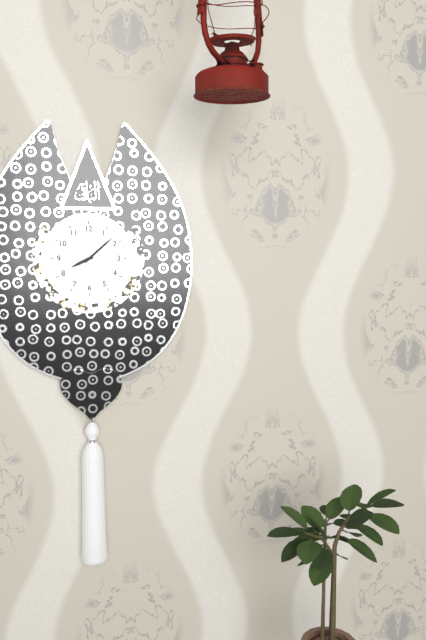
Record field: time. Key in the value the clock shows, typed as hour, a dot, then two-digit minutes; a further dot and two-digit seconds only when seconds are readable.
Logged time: 8.08
